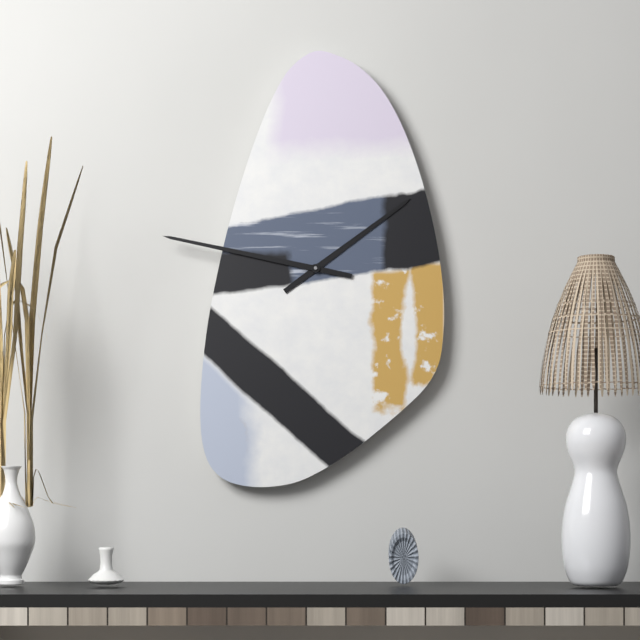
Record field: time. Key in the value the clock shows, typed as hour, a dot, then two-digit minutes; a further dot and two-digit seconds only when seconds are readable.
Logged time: 1.47
